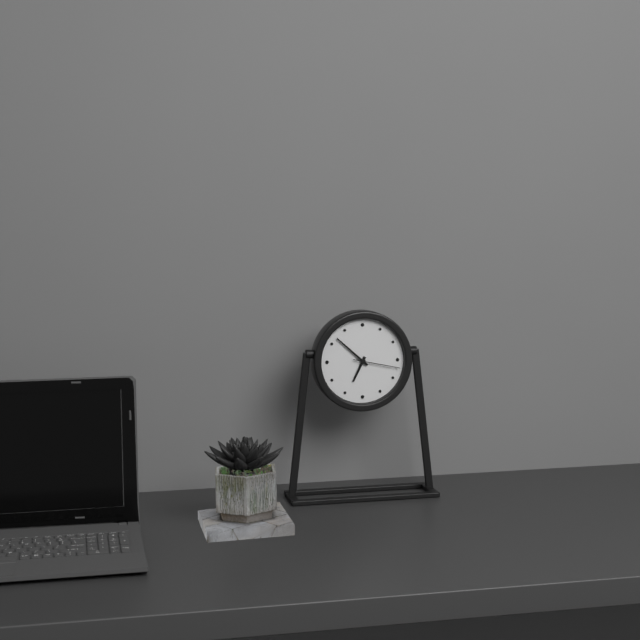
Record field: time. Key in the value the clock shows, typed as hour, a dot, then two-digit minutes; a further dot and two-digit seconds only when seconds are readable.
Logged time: 6.52
